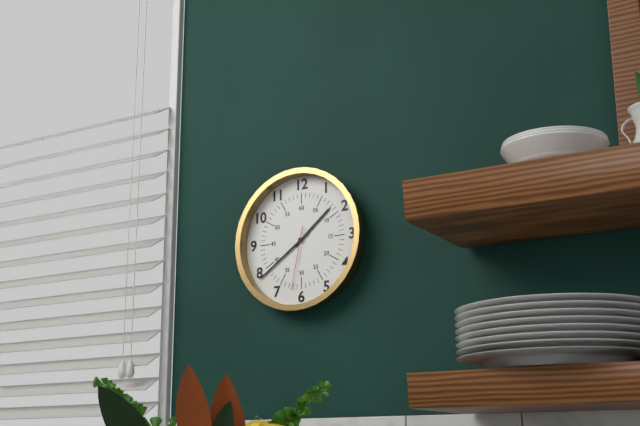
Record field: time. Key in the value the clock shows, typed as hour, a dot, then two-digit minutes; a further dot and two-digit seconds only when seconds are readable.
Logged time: 1.39.32
